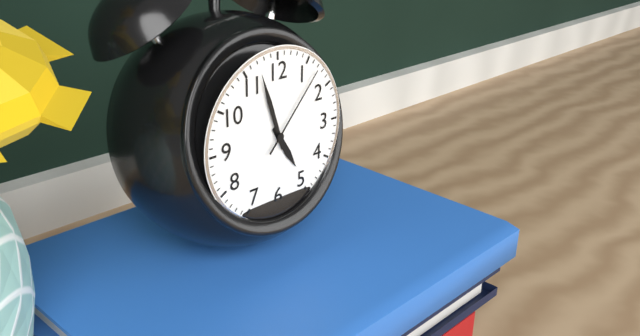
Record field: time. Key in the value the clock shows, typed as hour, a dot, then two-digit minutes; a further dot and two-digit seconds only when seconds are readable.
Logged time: 4.57.07
